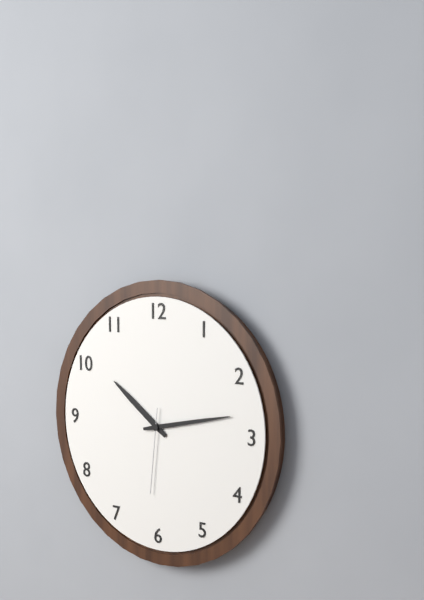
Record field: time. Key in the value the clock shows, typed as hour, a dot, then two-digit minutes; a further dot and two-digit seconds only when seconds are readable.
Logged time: 10.13.31
